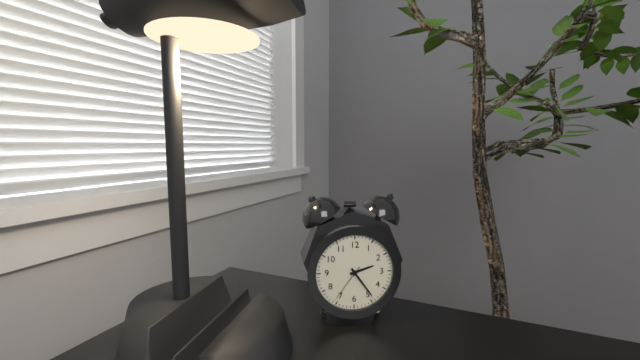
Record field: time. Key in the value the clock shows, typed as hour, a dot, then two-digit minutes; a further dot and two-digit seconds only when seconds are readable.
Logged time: 2.24
